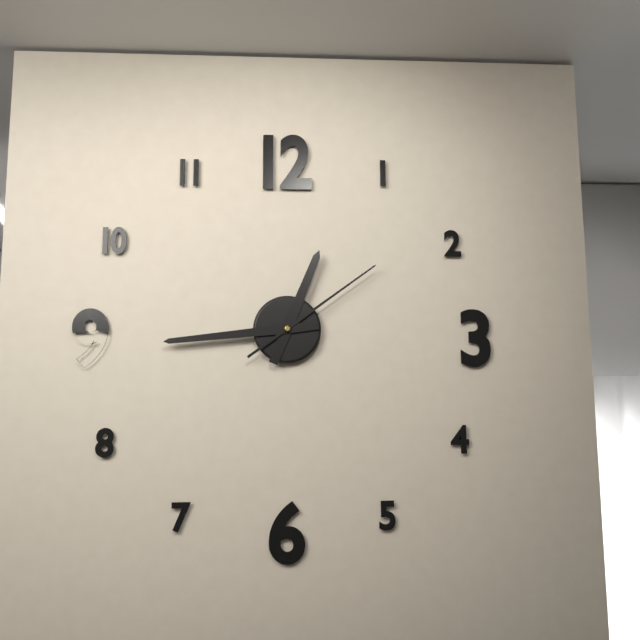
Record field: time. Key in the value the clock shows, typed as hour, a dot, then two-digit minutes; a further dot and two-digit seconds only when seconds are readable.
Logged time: 12.44.09
